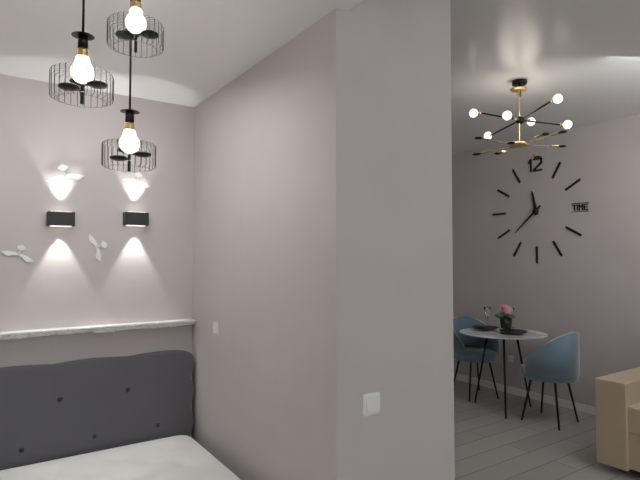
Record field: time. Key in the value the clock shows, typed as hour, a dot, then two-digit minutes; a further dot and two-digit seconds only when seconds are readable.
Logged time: 11.38
